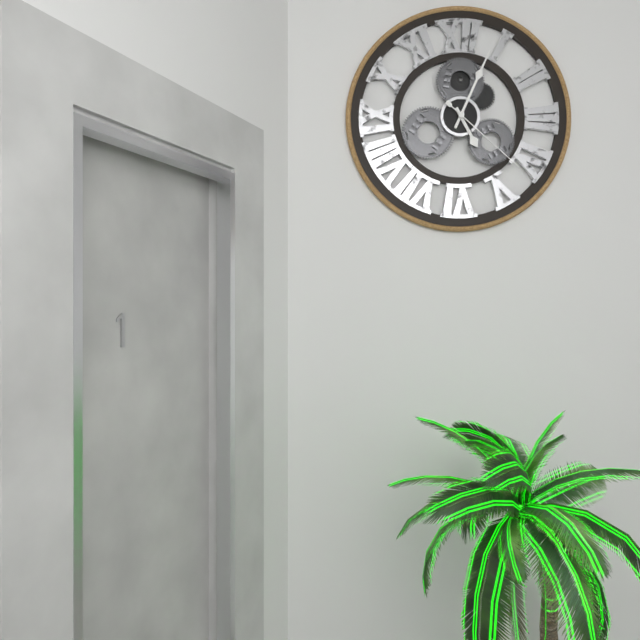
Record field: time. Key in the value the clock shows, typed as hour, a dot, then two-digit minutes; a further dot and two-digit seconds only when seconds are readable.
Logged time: 5.04.22
